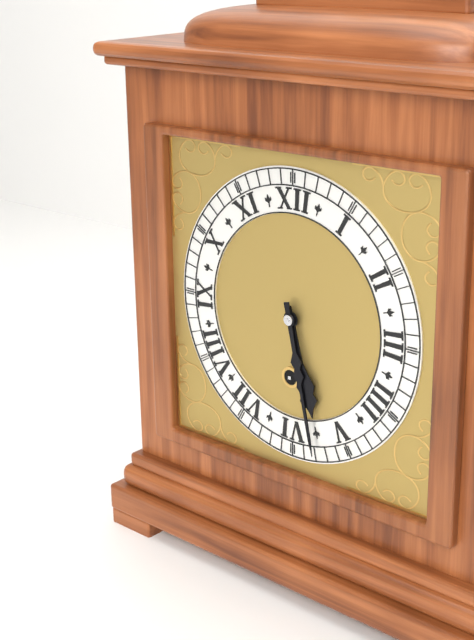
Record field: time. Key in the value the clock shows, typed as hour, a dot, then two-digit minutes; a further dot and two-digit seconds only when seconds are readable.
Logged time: 5.28
